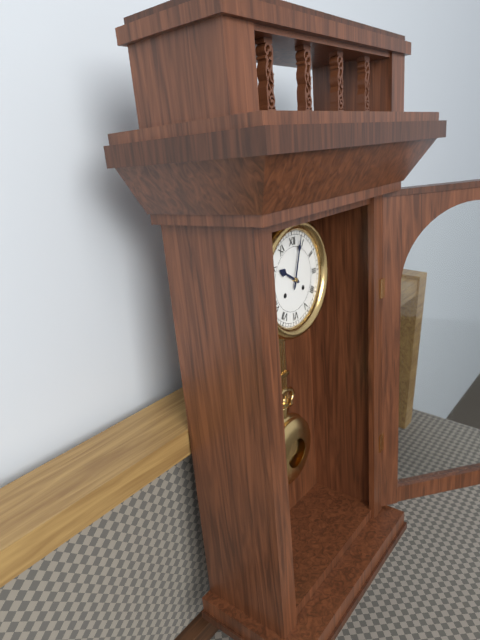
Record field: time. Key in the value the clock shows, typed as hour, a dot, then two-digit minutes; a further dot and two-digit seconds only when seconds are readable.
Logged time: 10.03
